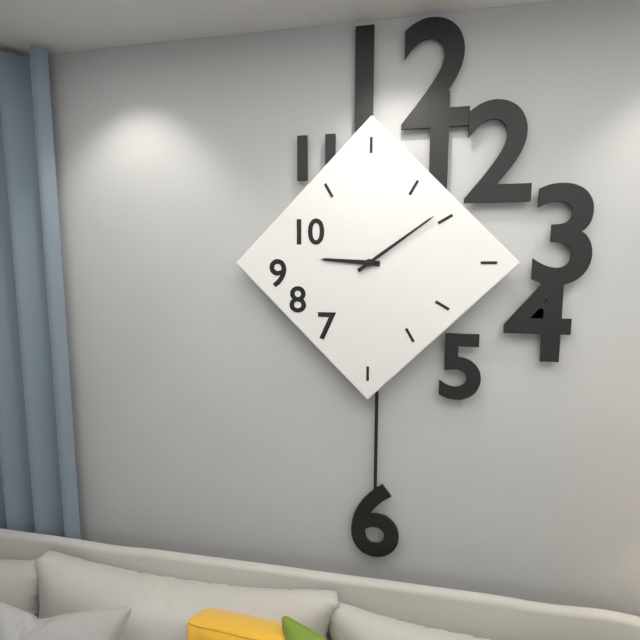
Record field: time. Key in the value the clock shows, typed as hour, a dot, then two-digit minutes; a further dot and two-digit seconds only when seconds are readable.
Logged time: 9.09
